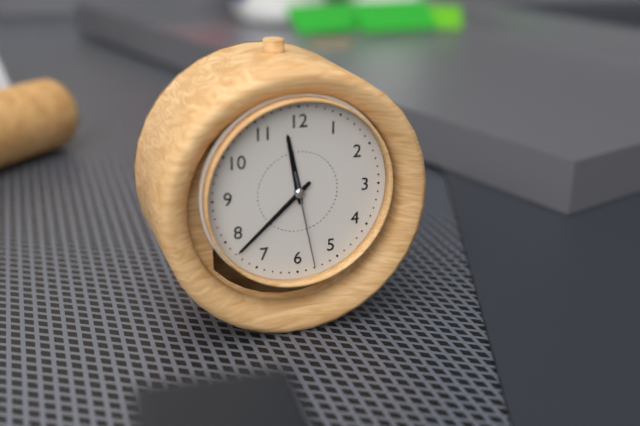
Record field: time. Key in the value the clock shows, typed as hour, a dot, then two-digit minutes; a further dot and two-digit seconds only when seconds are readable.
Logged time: 11.38.28
